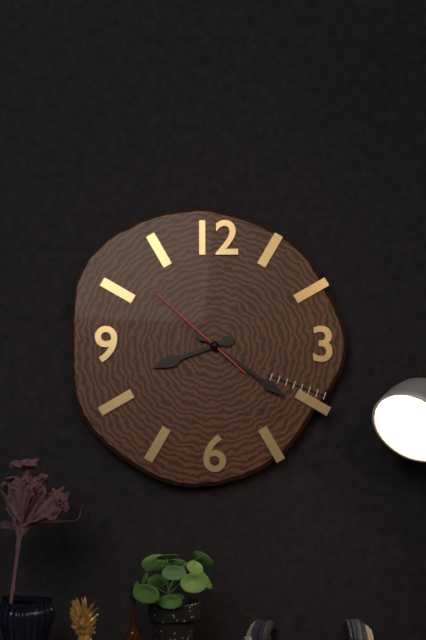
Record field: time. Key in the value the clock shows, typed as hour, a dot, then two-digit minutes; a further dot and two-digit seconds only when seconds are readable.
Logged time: 8.21.52
